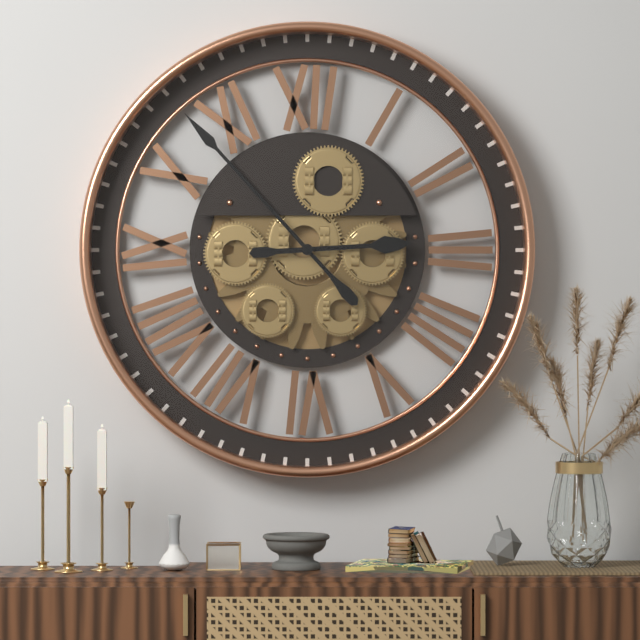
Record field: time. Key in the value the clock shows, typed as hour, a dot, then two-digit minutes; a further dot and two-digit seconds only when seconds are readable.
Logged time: 2.53
